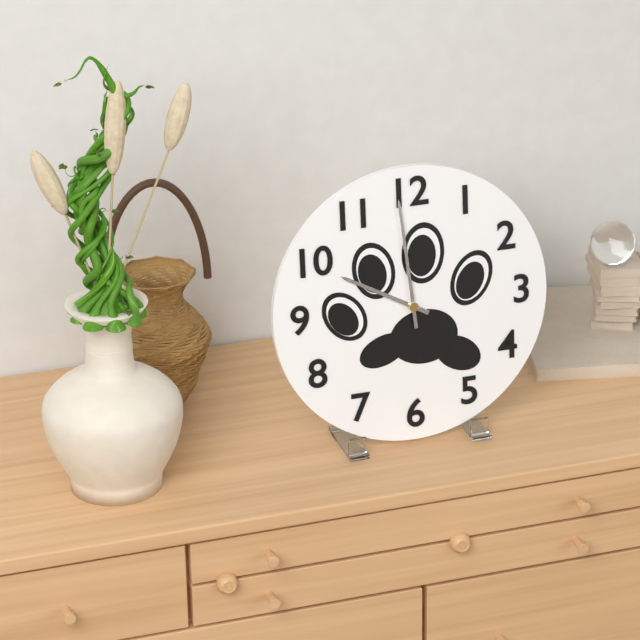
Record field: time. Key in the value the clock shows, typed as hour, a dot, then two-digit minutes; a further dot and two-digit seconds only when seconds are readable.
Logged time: 9.59
